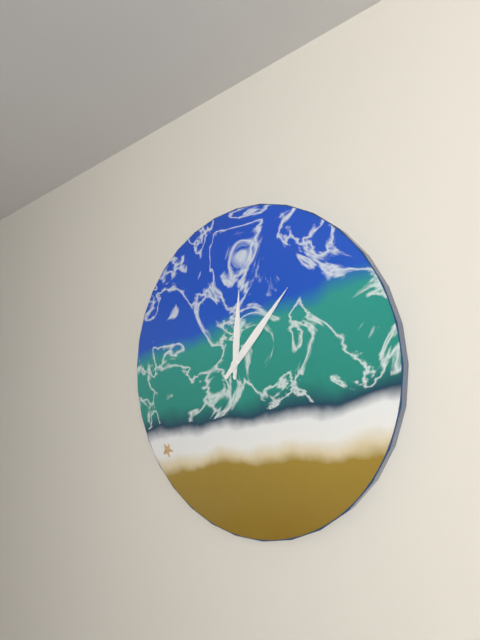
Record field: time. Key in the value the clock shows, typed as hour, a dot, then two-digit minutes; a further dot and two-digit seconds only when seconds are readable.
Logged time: 12.07
